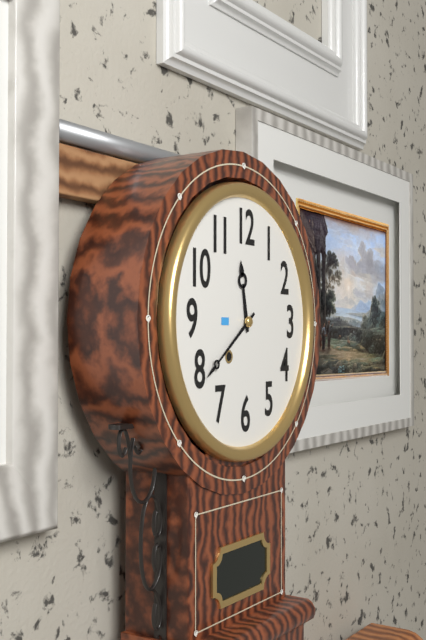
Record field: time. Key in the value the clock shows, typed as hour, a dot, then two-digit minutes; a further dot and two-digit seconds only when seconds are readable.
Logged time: 11.39
